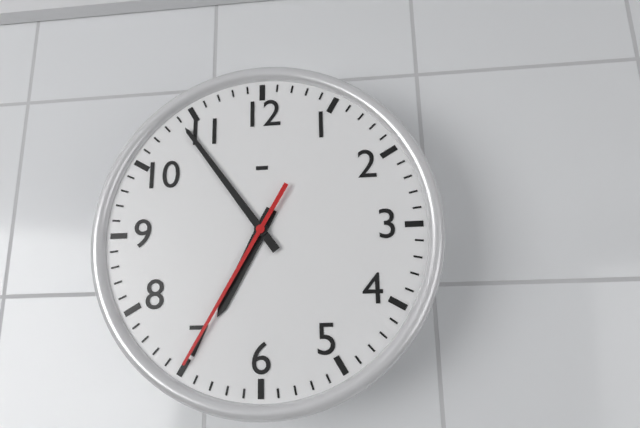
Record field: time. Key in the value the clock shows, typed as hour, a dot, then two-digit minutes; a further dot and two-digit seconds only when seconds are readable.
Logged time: 6.54.35
